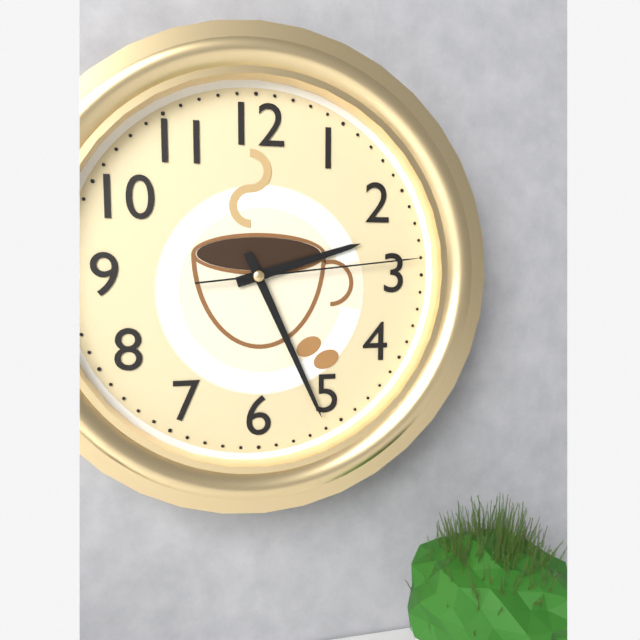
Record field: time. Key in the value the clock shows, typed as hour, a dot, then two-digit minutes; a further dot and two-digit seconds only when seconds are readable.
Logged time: 2.26.14
